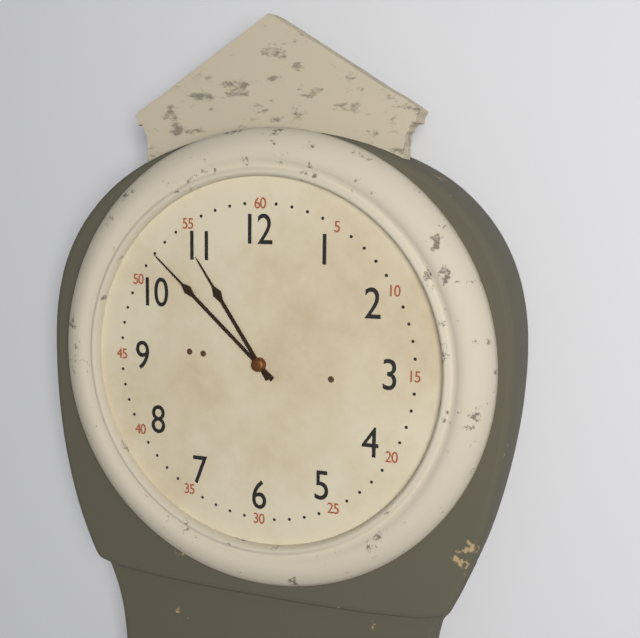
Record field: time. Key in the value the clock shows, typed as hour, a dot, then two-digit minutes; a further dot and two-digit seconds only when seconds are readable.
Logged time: 10.52
